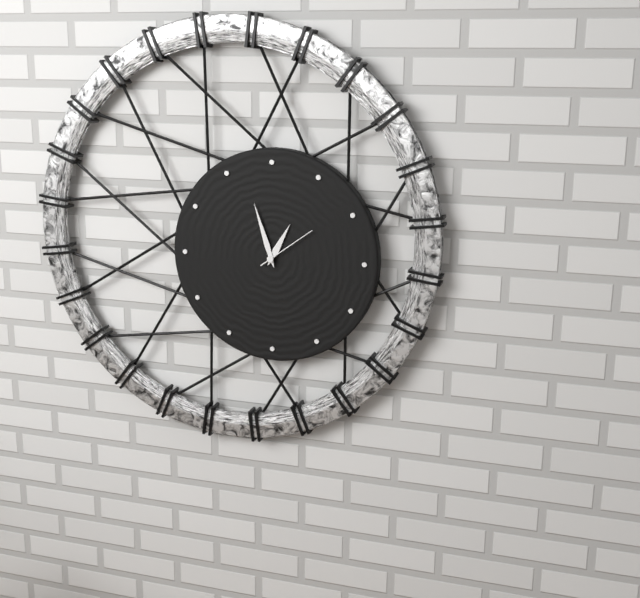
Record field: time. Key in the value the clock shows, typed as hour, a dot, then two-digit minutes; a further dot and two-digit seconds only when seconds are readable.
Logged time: 12.57.09
